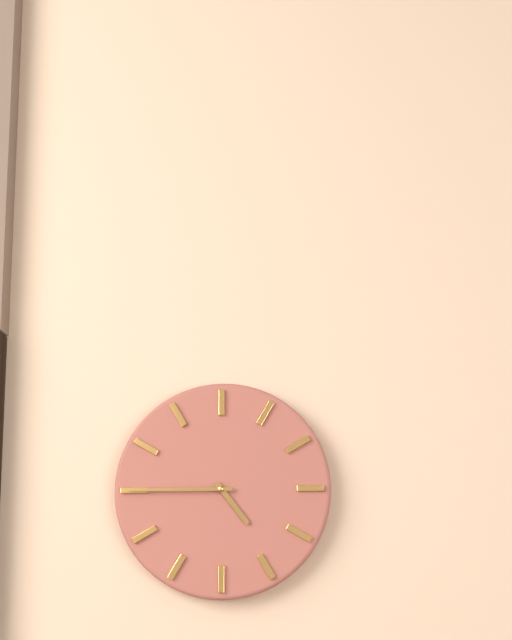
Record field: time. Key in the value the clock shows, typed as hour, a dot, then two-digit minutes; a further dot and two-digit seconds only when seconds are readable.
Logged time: 4.45
